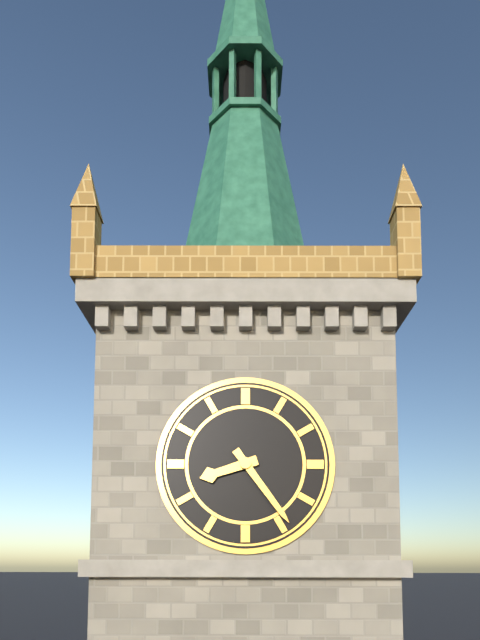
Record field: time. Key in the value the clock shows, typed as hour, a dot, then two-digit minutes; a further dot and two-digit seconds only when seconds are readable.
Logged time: 8.24
